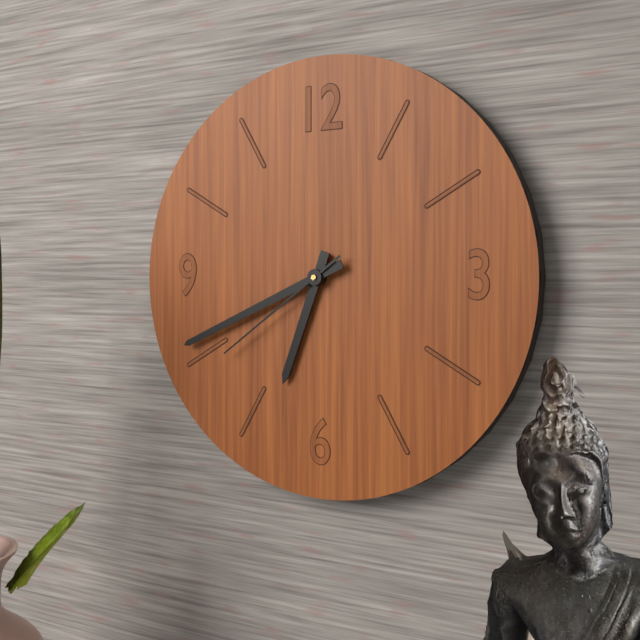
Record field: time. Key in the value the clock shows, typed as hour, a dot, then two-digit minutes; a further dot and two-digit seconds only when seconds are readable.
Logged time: 6.41.39
